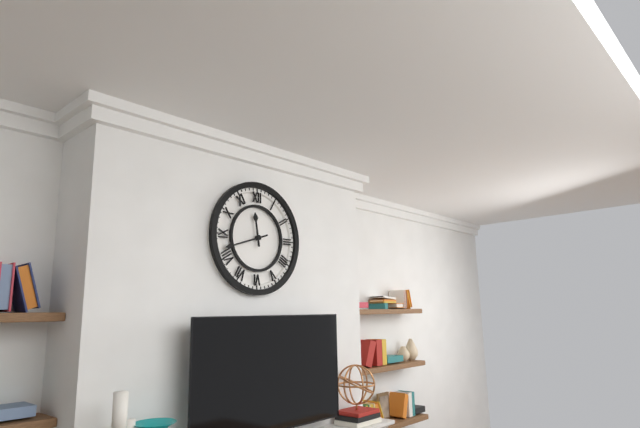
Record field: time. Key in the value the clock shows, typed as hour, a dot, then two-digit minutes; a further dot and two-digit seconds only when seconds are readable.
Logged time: 11.42
